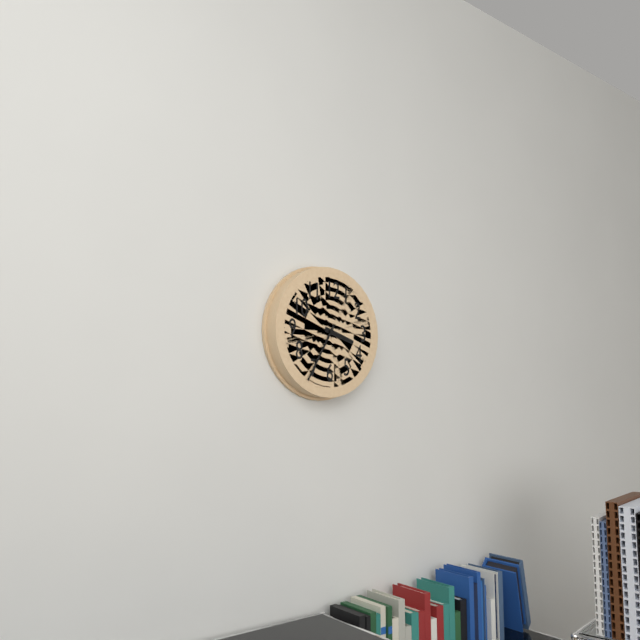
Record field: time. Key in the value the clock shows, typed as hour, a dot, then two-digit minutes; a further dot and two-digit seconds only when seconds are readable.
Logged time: 3.35
